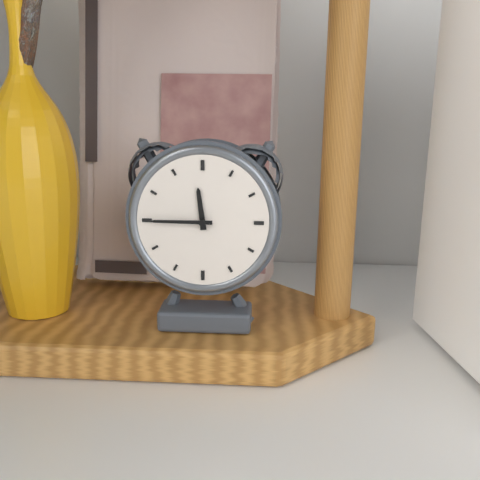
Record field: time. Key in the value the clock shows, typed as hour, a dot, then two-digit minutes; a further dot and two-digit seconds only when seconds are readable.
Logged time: 11.45
